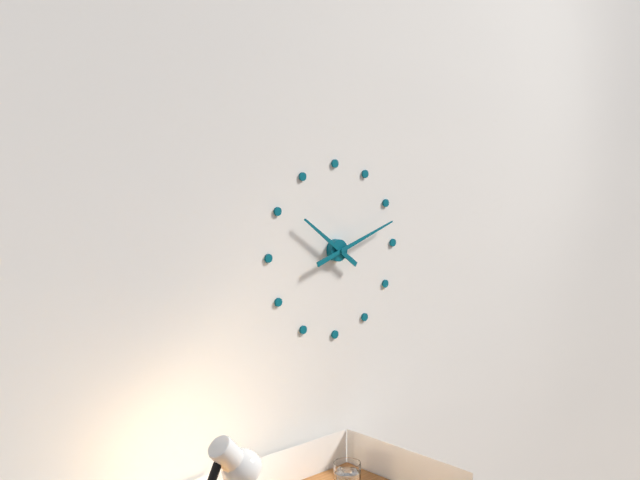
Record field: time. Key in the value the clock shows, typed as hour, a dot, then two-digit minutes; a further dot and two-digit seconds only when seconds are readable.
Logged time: 10.12
